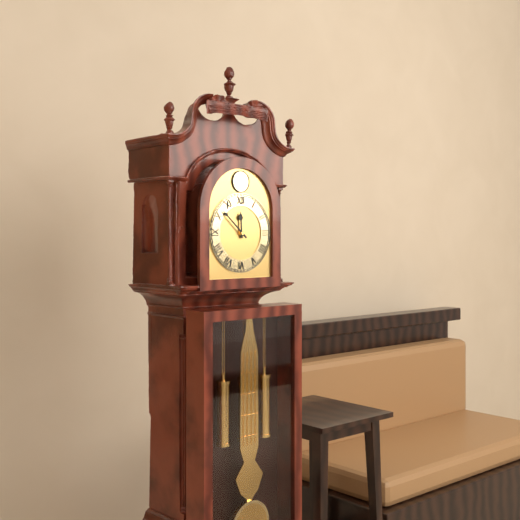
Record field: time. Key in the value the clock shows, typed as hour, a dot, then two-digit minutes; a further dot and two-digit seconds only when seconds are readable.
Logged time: 11.52
